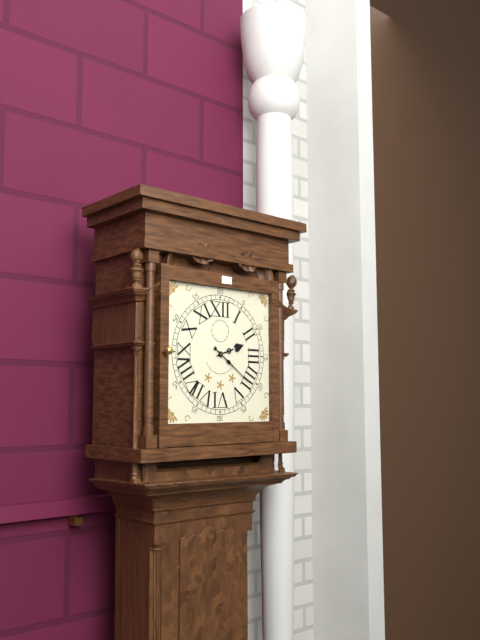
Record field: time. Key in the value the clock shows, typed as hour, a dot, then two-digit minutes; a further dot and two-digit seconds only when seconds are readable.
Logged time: 2.21
